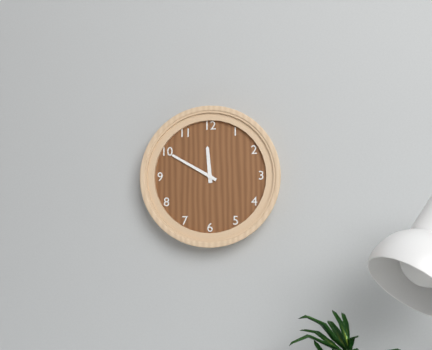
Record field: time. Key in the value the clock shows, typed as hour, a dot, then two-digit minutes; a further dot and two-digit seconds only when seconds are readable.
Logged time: 11.50
